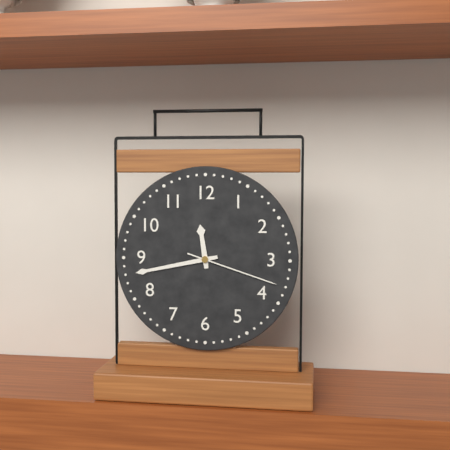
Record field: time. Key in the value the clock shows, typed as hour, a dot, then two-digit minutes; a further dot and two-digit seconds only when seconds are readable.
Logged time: 11.43.18
